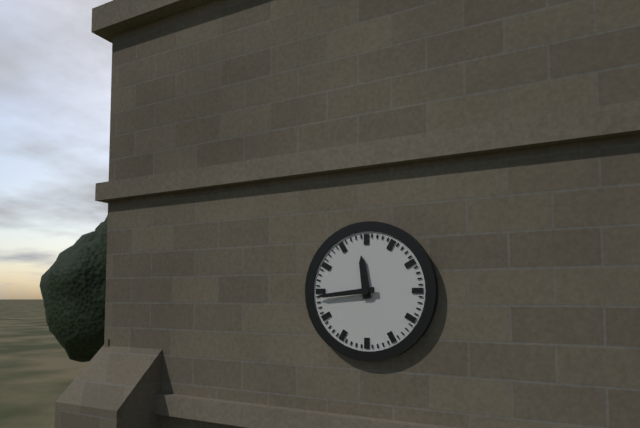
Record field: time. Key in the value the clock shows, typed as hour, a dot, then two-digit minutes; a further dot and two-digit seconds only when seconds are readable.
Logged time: 11.44
